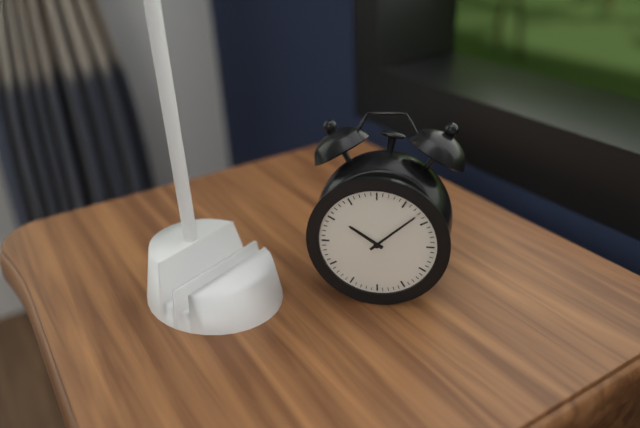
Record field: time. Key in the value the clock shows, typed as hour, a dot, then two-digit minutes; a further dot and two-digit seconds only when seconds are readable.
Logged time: 10.08
